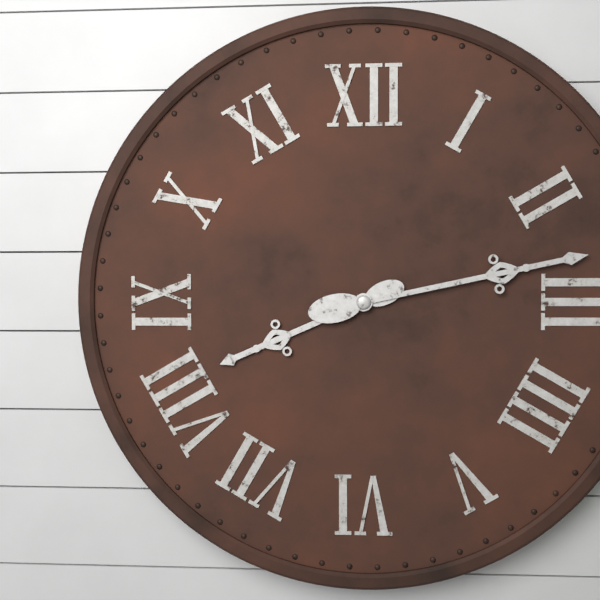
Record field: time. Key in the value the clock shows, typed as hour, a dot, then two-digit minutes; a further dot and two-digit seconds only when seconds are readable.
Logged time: 8.13
